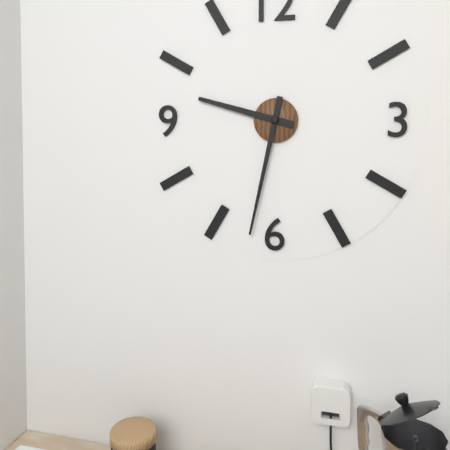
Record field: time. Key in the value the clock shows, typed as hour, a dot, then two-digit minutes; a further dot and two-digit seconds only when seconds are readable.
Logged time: 9.32
